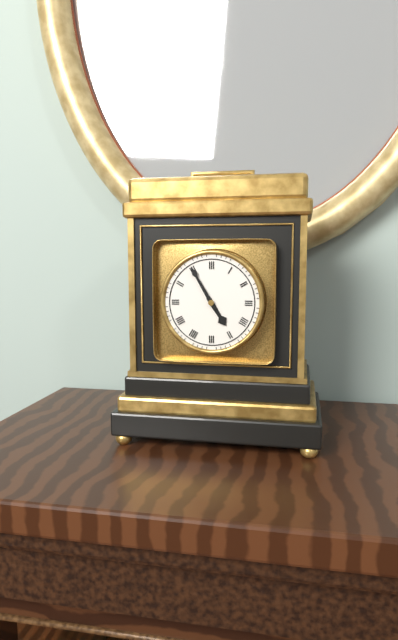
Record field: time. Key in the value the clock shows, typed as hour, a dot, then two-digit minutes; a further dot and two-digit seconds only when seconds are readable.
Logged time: 4.55
